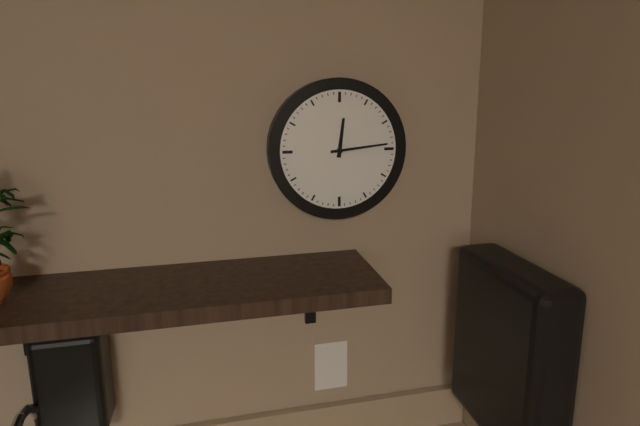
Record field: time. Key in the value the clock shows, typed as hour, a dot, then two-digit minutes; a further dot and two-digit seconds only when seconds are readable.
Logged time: 12.14
